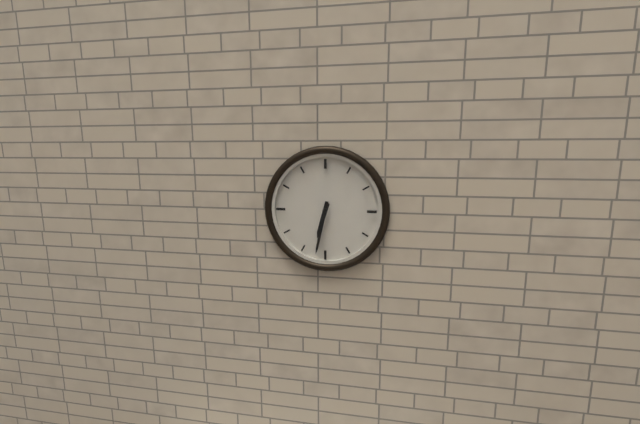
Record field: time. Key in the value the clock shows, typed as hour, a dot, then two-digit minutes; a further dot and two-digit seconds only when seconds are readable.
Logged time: 6.32
